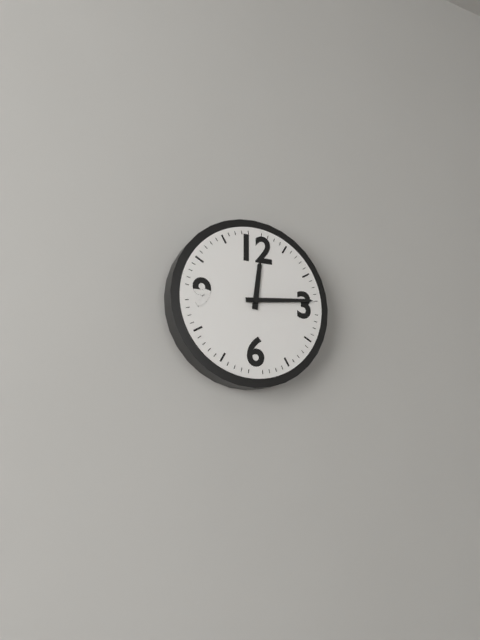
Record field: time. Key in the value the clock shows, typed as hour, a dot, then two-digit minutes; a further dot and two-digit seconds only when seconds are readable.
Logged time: 12.14
